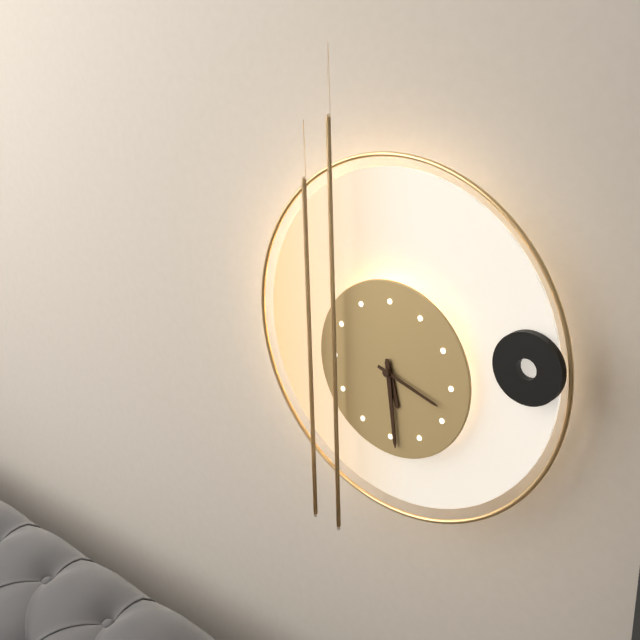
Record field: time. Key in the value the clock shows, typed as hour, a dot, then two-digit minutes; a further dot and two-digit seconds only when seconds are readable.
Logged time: 5.29.18
